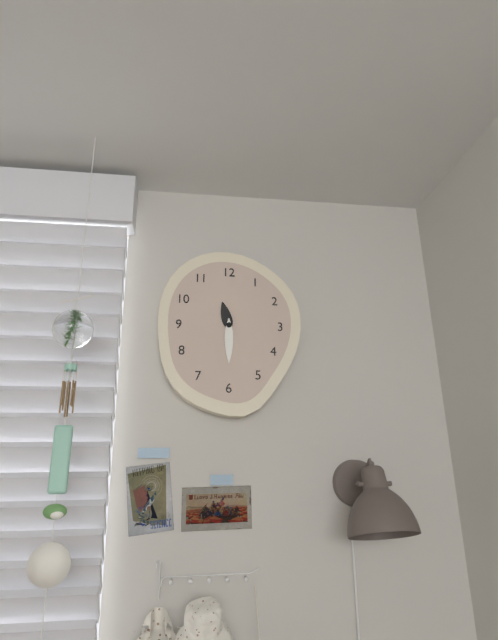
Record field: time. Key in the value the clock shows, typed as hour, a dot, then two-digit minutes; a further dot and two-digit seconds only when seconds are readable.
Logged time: 11.30
